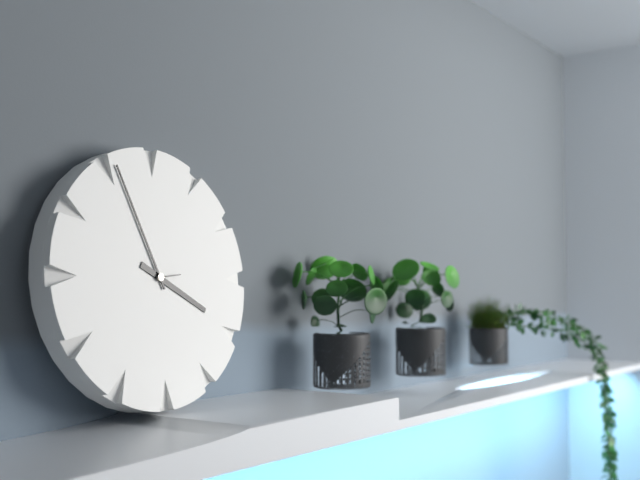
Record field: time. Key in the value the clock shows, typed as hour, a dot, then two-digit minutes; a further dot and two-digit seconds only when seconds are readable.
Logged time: 3.56
